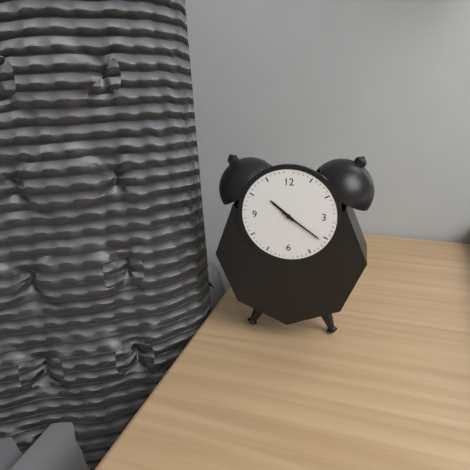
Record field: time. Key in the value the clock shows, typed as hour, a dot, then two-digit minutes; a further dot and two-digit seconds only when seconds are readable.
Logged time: 10.21
